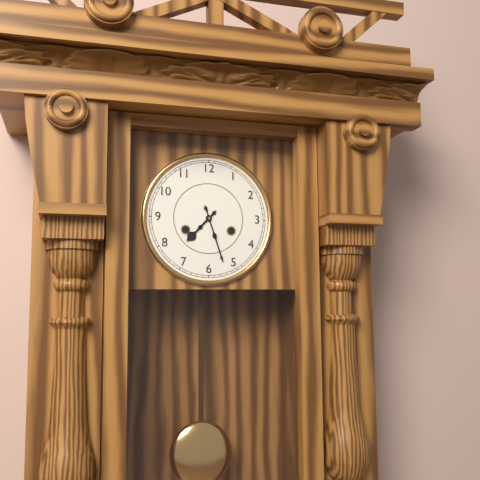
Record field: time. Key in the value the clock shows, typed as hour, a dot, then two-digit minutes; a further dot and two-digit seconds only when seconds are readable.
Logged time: 7.27
